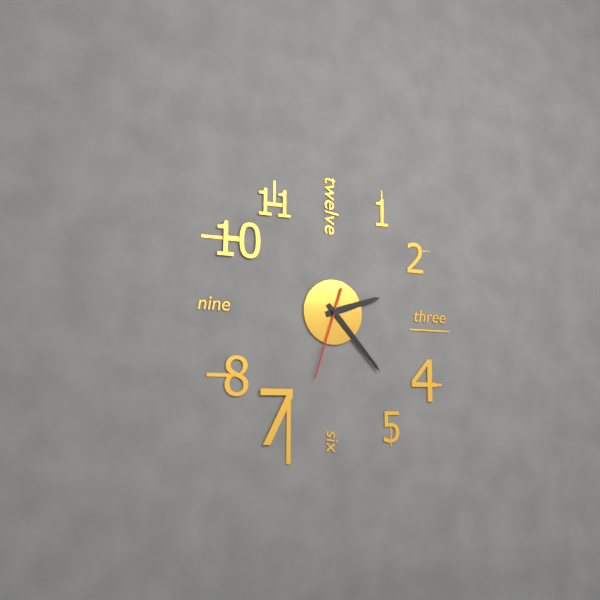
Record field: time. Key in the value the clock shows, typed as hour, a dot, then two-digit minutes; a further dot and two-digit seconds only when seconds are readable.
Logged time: 2.23.33
